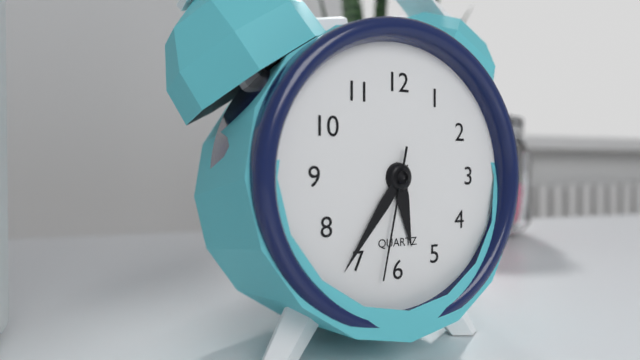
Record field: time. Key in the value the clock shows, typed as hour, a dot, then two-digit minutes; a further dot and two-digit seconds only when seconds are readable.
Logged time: 5.36.32
